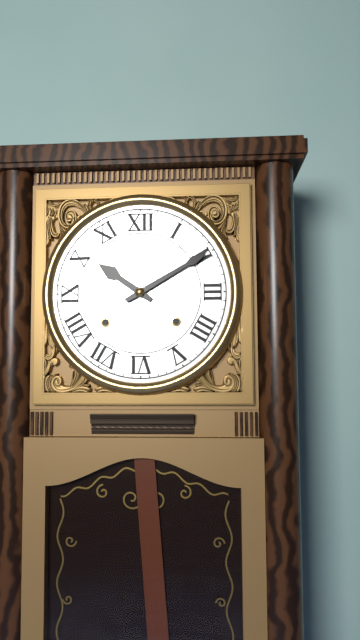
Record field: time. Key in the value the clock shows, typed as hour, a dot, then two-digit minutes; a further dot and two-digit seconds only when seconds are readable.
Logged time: 10.10
